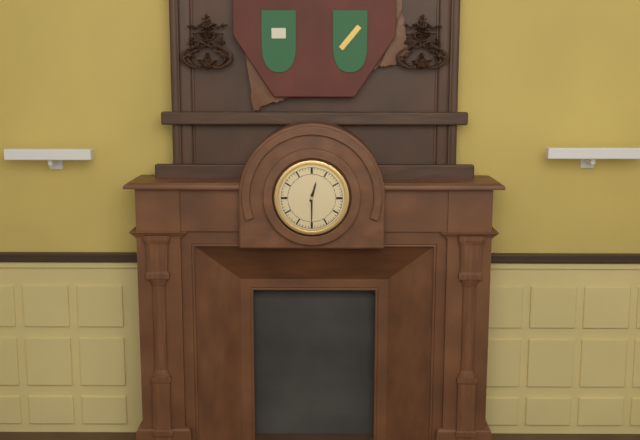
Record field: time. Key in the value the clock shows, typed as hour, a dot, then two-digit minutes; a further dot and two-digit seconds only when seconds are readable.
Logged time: 12.30
